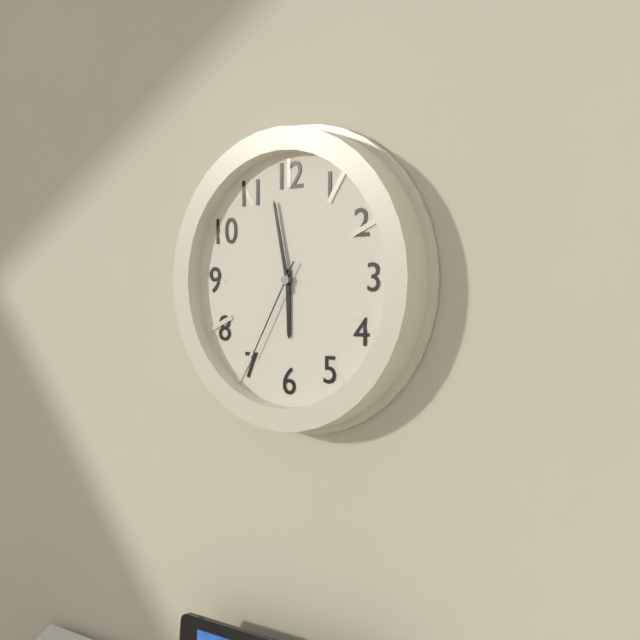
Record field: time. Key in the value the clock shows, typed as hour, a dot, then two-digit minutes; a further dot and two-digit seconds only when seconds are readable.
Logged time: 5.58.35
